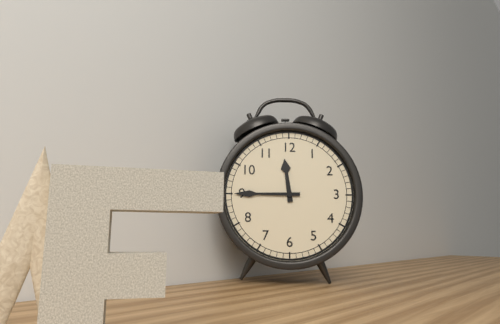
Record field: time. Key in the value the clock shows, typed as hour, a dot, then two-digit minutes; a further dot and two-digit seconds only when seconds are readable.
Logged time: 11.45
